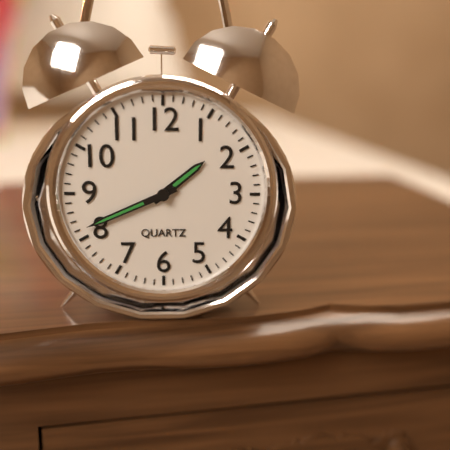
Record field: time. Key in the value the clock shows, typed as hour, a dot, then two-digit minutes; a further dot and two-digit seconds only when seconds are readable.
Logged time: 1.41
